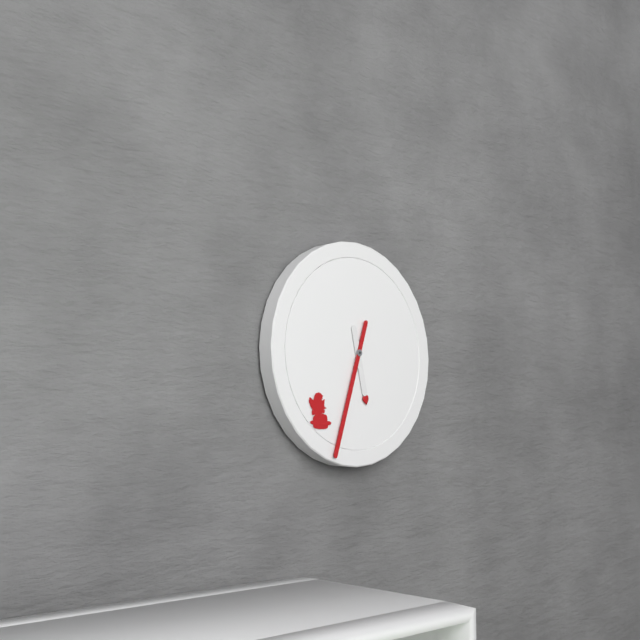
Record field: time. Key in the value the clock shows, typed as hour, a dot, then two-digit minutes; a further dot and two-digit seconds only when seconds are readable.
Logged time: 5.33
